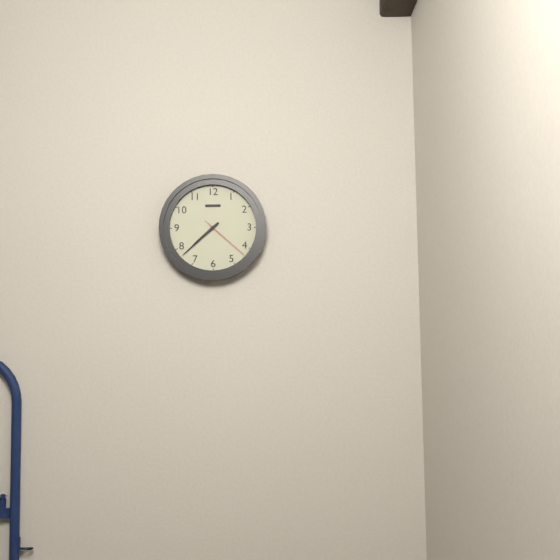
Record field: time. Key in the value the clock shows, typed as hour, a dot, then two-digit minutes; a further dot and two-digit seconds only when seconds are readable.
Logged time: 7.38.22
